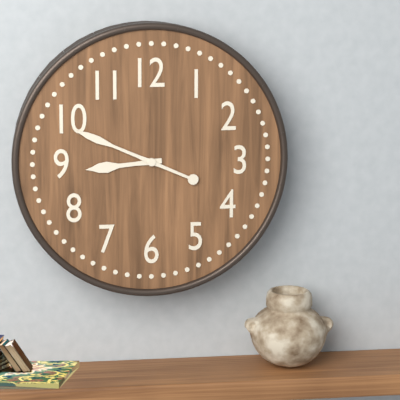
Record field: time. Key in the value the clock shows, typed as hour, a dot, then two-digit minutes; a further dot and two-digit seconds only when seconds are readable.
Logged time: 8.49
